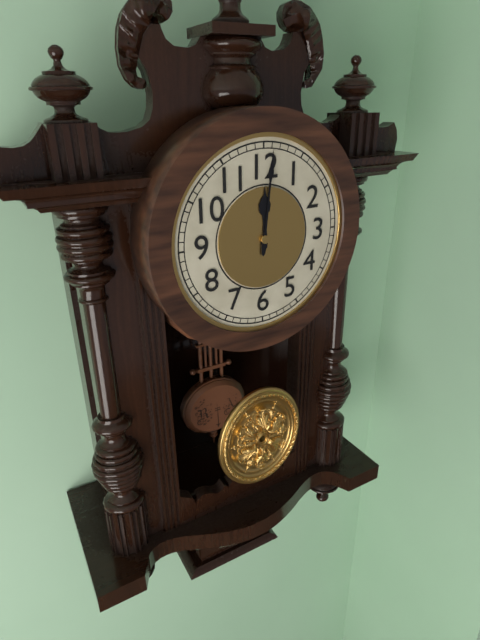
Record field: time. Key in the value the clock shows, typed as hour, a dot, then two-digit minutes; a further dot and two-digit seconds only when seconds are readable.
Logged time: 12.01
